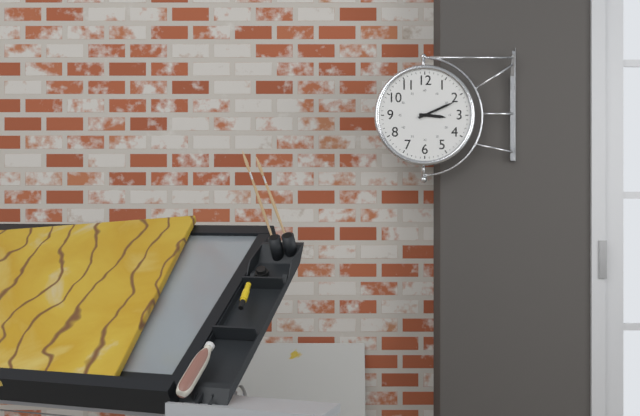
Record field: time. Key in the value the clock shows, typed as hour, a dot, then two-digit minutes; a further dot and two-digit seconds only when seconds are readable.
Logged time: 3.11
